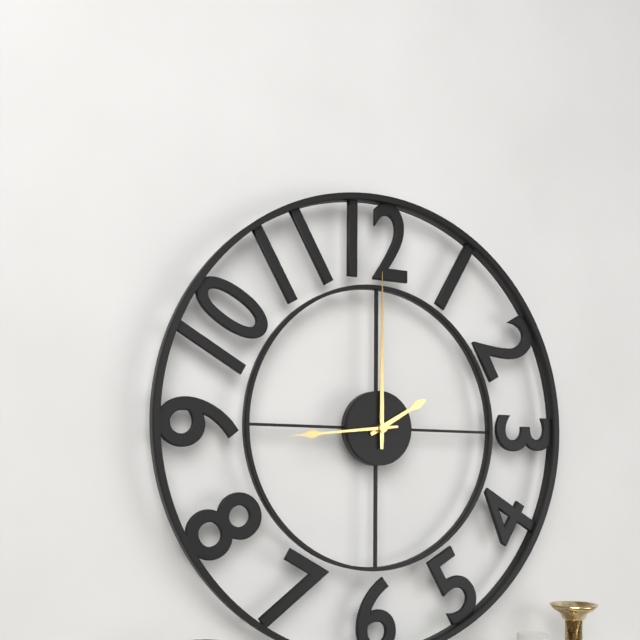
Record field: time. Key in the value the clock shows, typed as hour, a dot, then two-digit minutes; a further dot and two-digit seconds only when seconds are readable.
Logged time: 2.00.44
